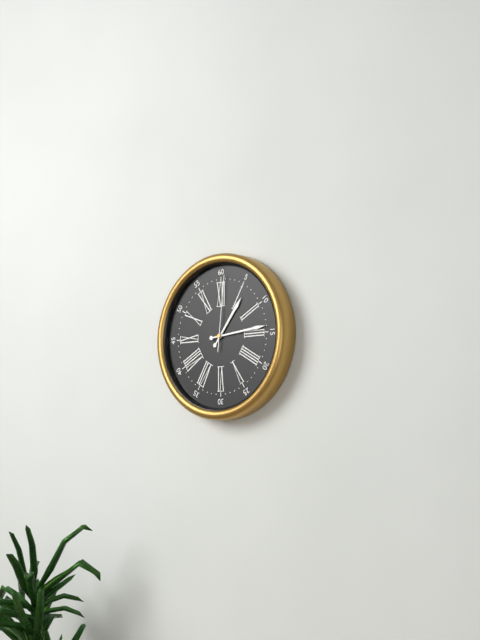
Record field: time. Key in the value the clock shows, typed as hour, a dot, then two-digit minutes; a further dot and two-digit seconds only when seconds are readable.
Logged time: 1.14.01
